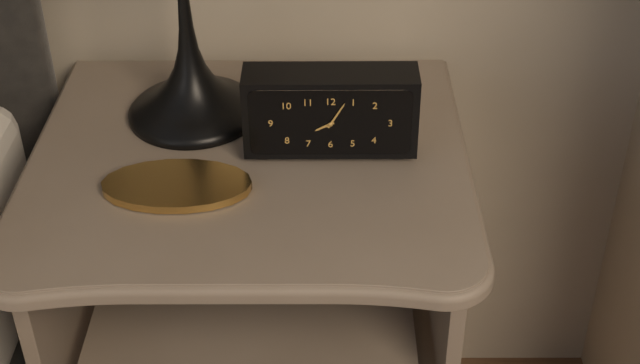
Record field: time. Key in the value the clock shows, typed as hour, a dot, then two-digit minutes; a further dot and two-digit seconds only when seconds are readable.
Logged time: 8.05
